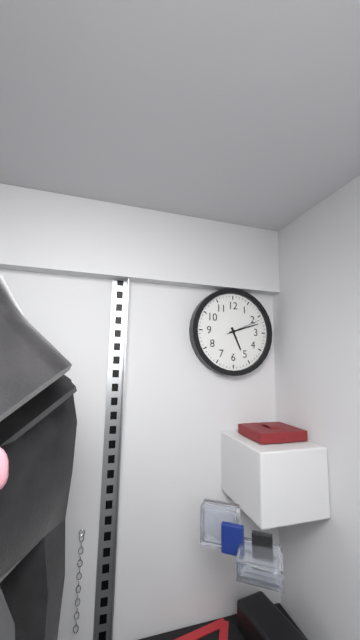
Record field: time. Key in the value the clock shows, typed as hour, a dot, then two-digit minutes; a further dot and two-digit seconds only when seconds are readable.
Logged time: 5.12
